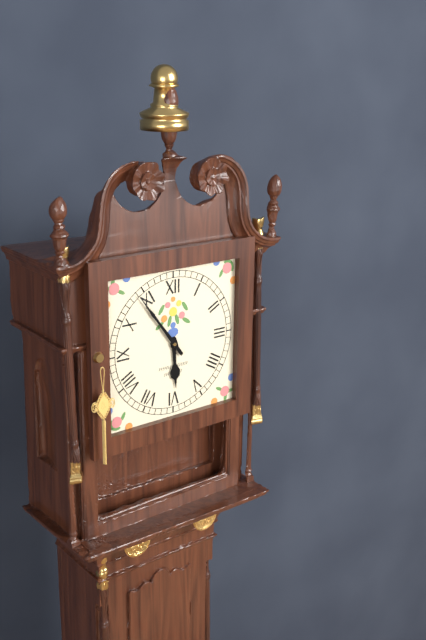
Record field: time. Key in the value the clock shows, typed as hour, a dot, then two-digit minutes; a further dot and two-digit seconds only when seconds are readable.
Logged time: 5.54
